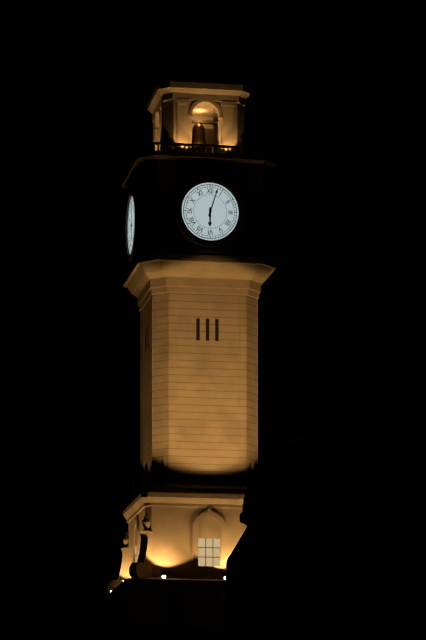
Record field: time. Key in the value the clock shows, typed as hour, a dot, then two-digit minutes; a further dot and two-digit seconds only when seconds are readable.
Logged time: 6.03
